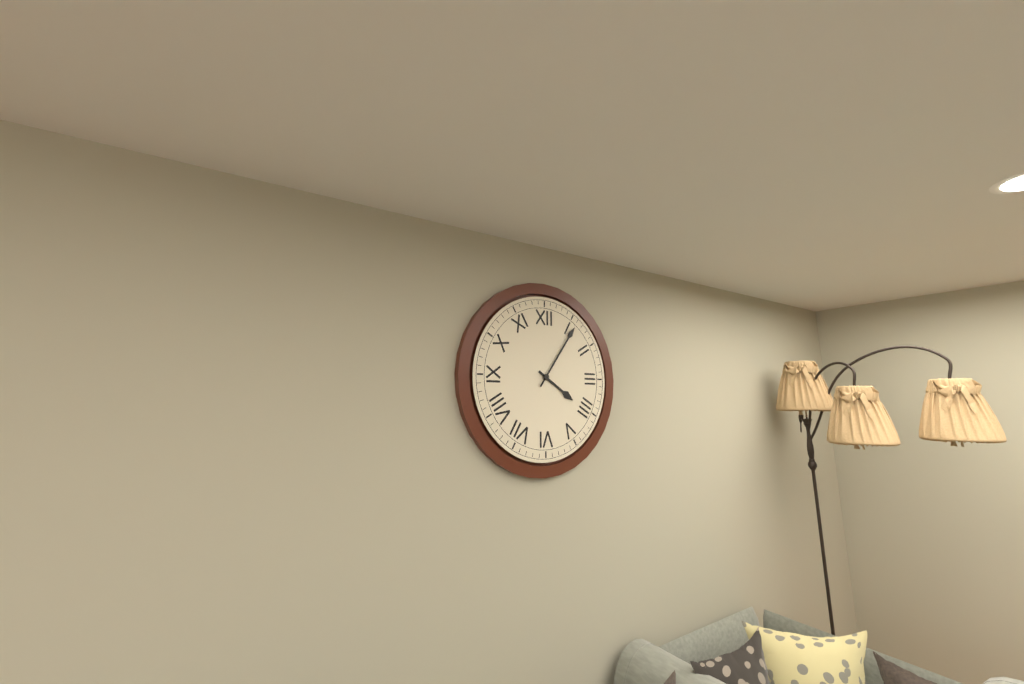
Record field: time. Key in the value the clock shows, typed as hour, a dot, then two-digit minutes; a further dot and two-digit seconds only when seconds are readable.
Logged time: 4.06
